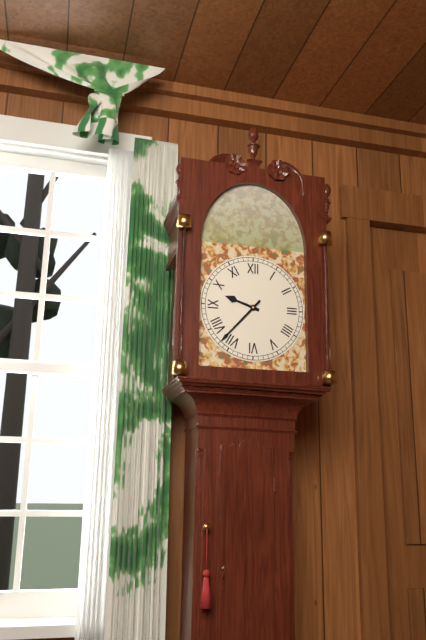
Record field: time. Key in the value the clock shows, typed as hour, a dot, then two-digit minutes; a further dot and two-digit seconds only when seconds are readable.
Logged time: 9.37
